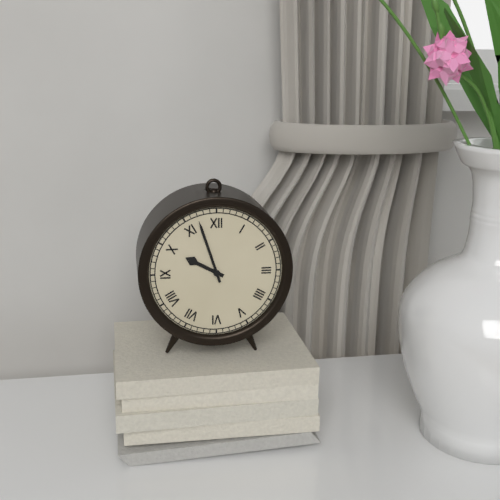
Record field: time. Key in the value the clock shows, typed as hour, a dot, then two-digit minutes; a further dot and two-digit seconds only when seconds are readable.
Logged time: 9.57
